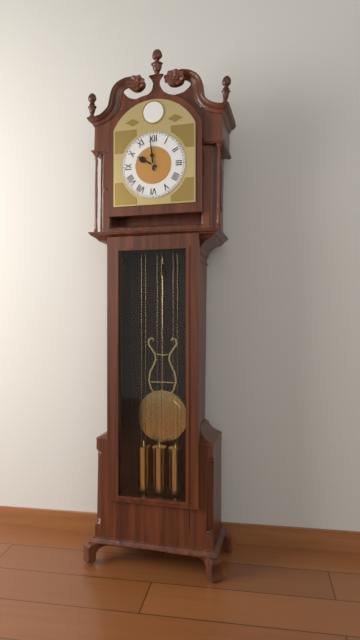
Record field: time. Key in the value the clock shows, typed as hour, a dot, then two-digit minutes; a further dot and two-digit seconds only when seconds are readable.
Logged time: 9.59
